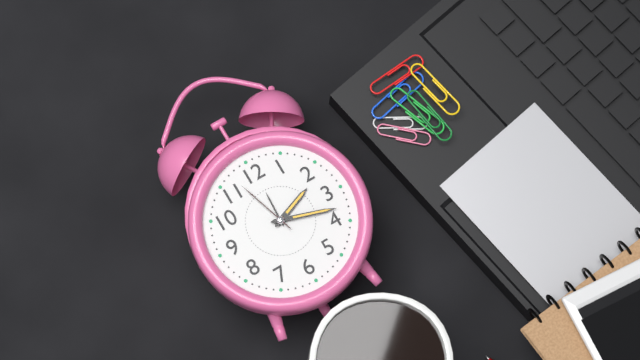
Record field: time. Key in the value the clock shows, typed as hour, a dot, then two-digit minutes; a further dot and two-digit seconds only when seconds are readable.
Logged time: 2.18.57
